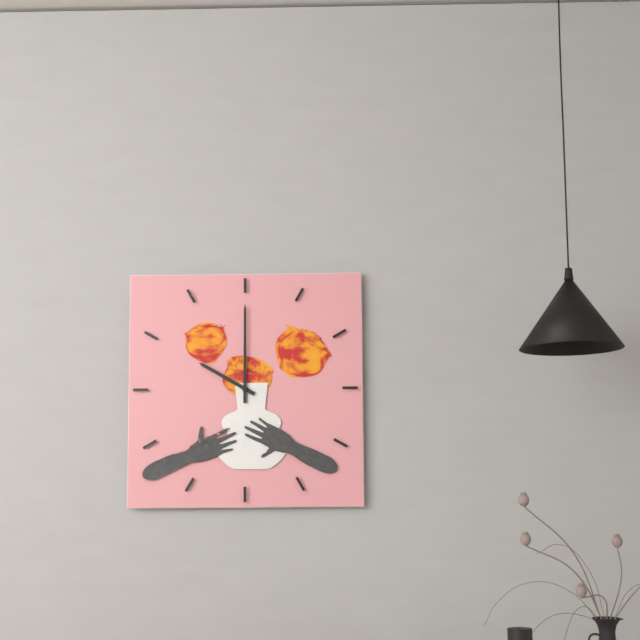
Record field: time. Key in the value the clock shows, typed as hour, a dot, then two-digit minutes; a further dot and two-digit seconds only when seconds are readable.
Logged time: 10.00
